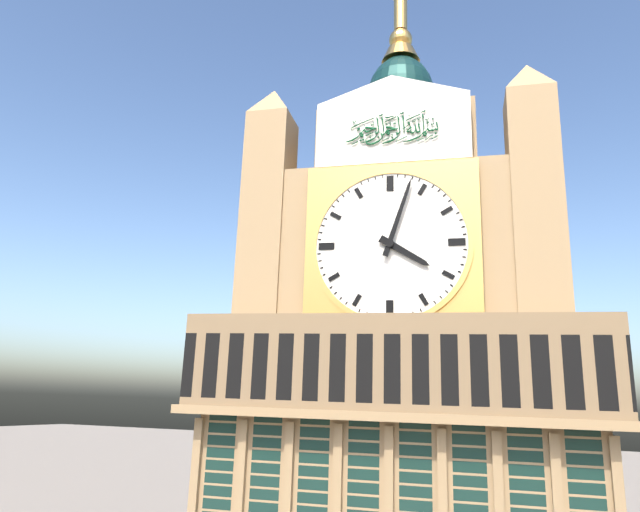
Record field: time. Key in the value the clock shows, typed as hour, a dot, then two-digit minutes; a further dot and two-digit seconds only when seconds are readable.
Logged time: 4.03
